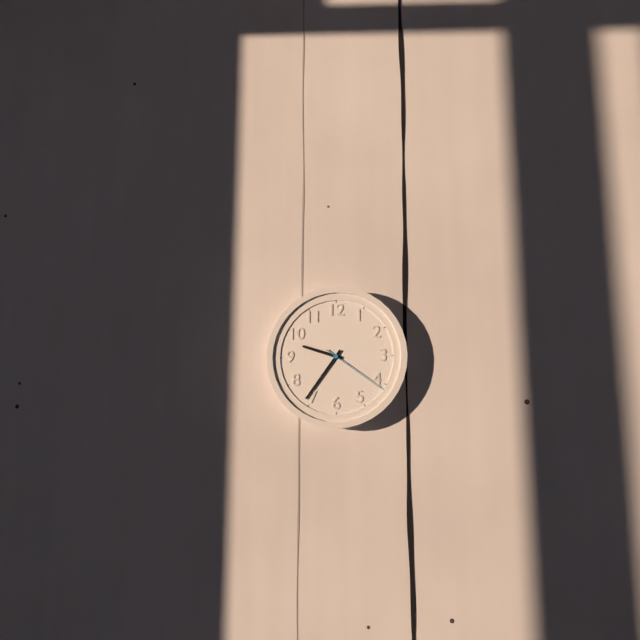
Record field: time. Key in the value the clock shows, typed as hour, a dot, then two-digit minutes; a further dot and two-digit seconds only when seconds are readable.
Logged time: 9.36.21
